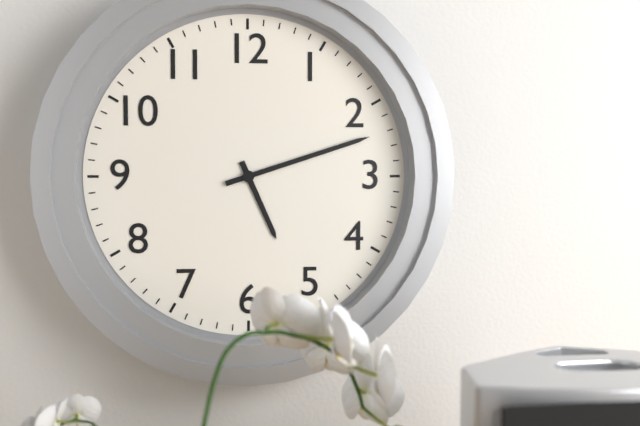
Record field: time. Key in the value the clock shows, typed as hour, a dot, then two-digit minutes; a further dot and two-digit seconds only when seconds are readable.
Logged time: 5.12
